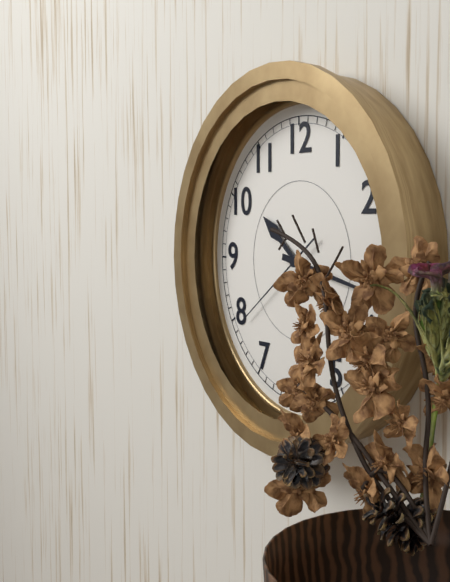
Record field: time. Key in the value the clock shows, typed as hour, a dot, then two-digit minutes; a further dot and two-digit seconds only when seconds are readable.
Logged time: 10.17.39
